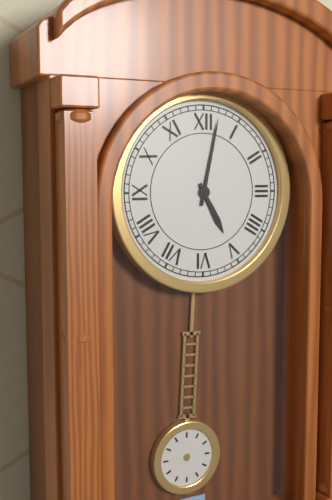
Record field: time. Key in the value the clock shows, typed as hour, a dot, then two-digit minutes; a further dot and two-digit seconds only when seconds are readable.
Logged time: 5.02
